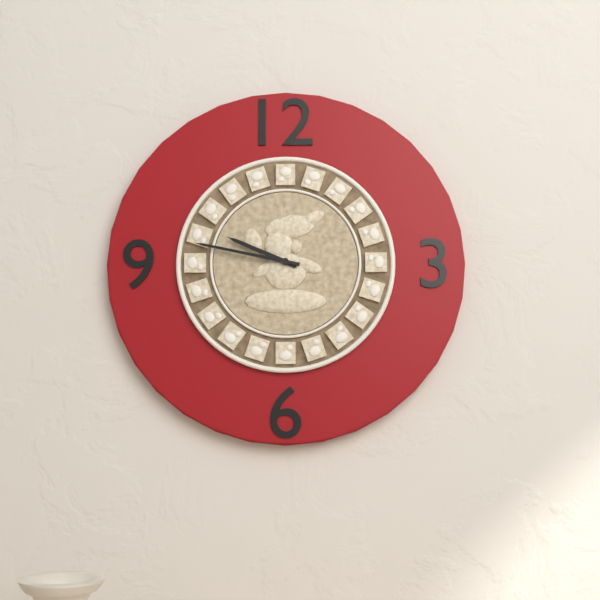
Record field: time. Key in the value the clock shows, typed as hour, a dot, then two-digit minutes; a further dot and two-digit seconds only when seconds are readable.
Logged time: 9.47
